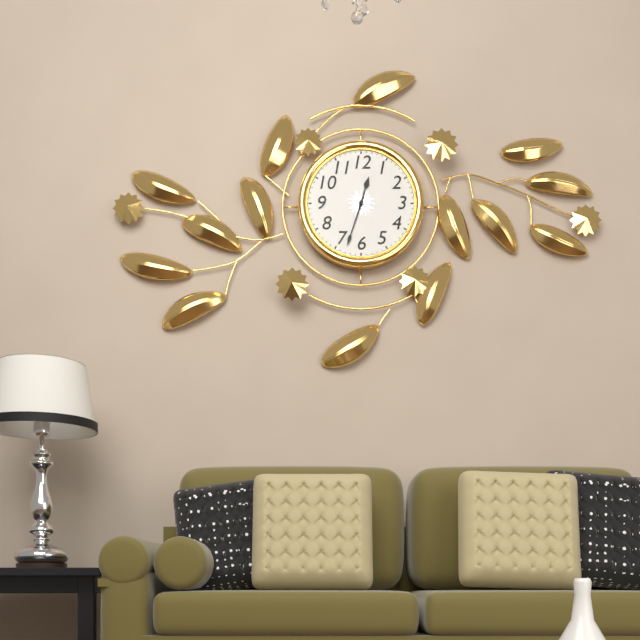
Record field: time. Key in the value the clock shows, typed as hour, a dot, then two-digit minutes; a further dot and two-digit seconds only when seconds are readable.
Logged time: 12.33
